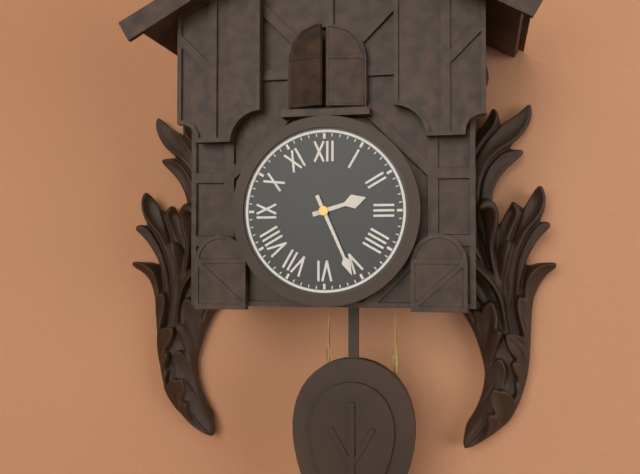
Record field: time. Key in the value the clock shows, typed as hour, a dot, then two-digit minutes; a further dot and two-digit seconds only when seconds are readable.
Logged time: 2.26
